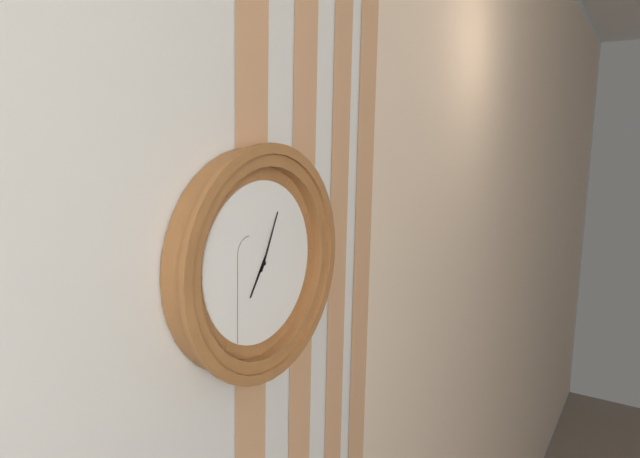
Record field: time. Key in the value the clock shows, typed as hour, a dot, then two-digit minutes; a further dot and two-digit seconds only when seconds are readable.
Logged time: 7.04
